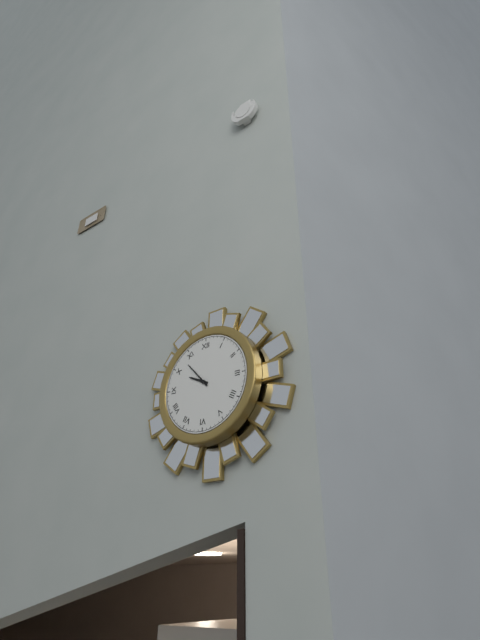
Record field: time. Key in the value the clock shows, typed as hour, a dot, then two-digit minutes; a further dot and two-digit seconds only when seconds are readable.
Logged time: 9.53
